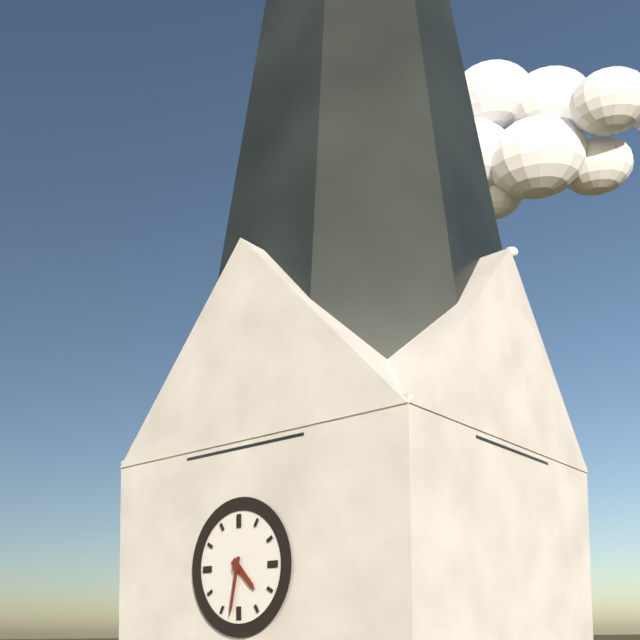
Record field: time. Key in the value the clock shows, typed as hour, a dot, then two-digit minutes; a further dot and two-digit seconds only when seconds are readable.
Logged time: 4.32
